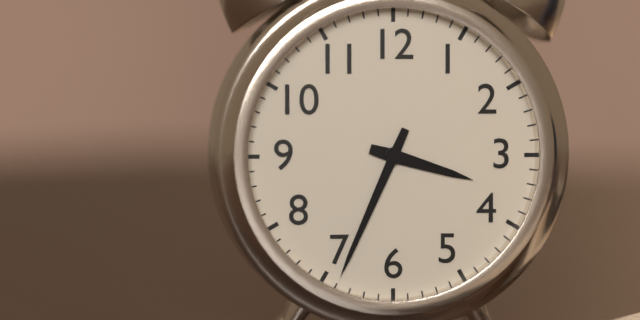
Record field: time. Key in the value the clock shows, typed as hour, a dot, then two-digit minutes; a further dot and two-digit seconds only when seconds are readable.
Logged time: 3.34
